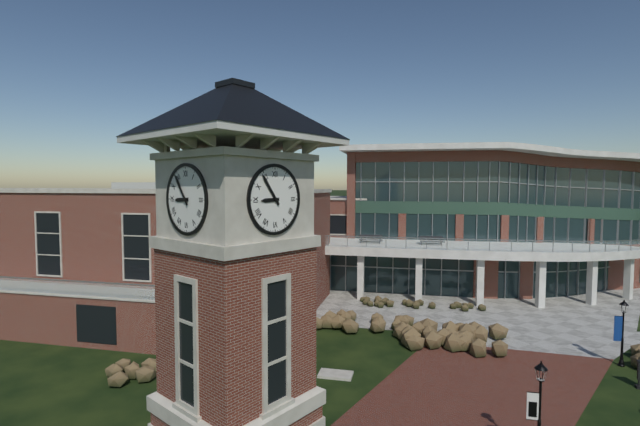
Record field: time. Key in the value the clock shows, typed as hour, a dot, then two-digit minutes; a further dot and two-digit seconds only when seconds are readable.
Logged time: 8.54
